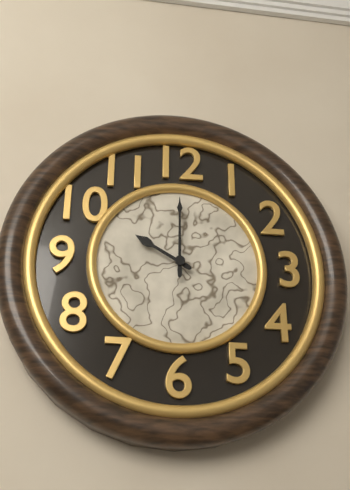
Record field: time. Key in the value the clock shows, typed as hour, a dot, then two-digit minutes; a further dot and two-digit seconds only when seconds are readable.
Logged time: 10.00
